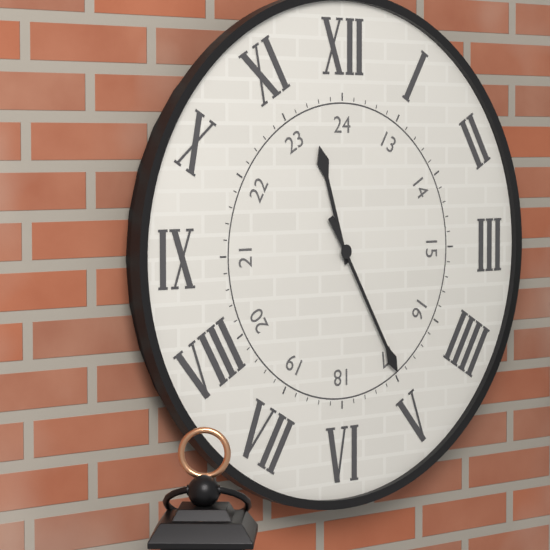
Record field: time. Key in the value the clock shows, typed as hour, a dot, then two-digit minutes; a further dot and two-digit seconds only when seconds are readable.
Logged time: 11.25
